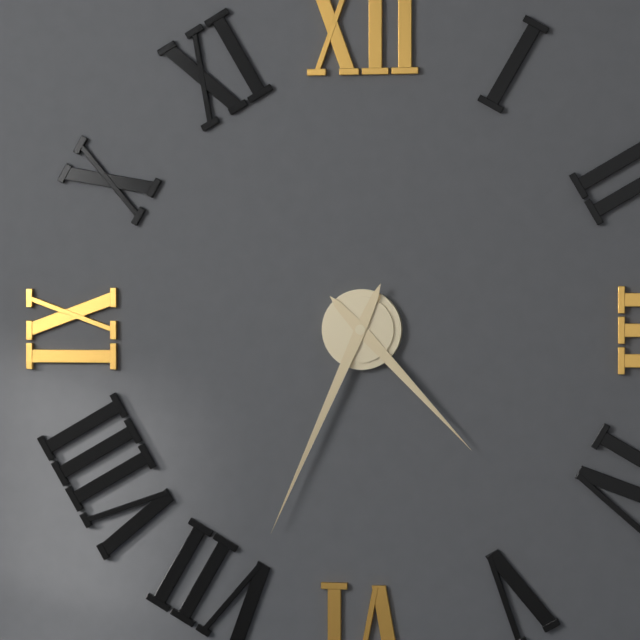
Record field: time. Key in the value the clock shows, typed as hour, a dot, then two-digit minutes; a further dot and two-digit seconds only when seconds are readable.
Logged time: 4.34
